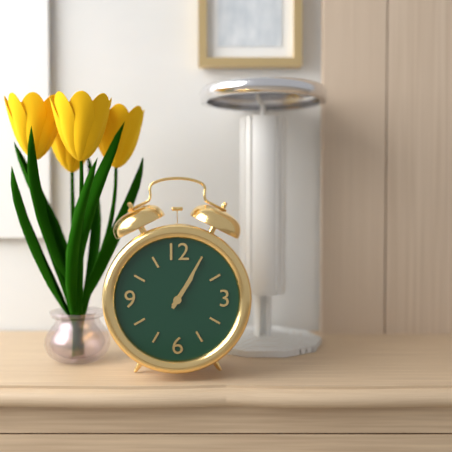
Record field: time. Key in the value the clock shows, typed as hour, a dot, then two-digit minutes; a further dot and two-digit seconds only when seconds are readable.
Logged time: 1.05
